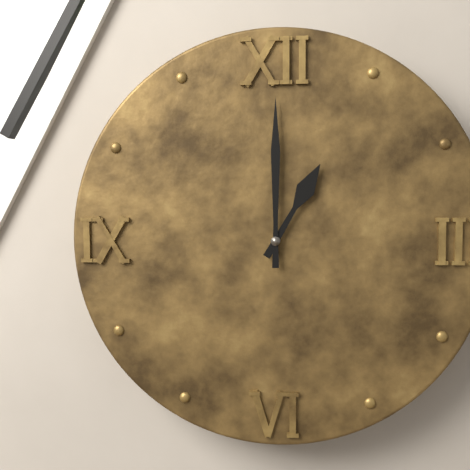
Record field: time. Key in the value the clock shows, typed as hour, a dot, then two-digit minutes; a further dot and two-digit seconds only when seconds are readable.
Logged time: 1.00
